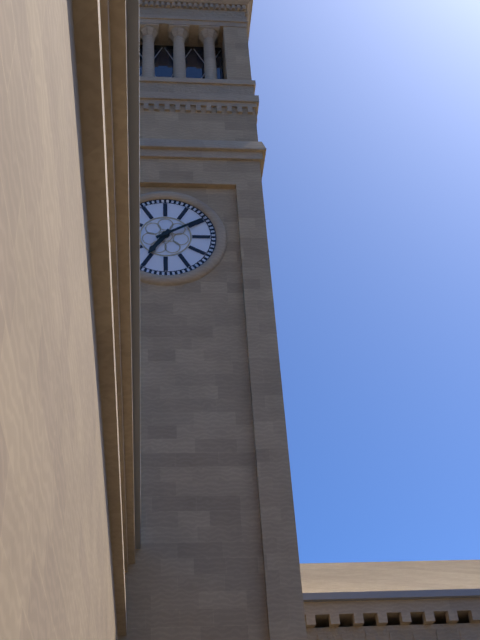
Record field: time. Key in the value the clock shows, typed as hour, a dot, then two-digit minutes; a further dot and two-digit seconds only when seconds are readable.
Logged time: 7.10
